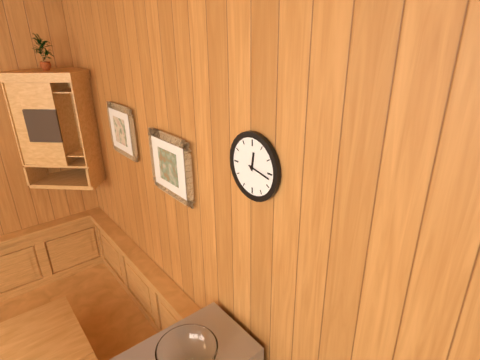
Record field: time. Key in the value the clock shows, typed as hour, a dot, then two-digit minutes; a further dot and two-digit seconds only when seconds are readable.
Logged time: 12.17
